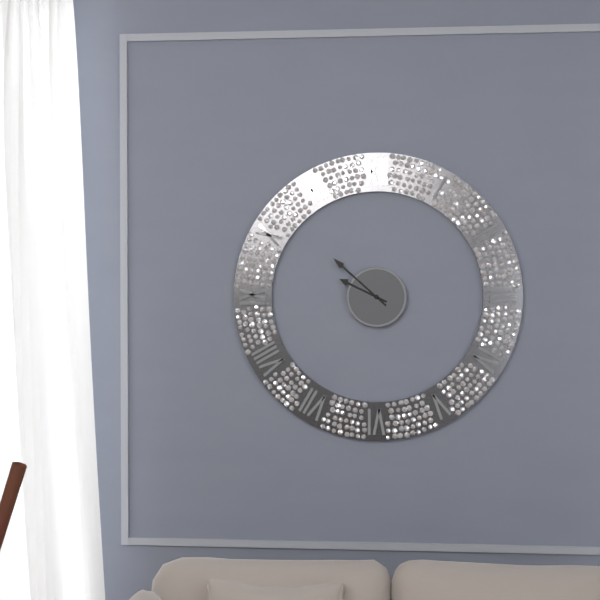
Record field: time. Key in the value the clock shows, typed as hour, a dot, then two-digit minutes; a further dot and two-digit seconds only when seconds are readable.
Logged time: 9.52
